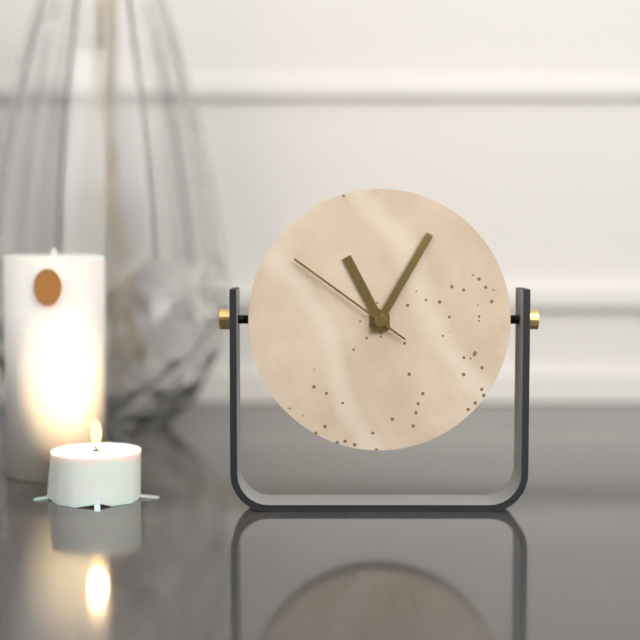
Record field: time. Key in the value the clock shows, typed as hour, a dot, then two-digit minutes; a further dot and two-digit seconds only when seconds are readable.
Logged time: 11.05.51
